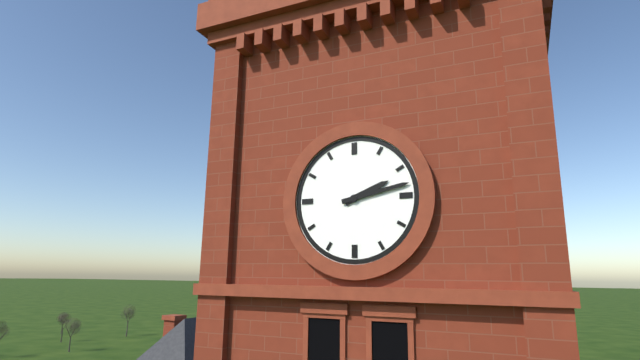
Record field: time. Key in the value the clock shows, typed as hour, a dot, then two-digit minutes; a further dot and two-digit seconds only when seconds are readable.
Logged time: 2.13
